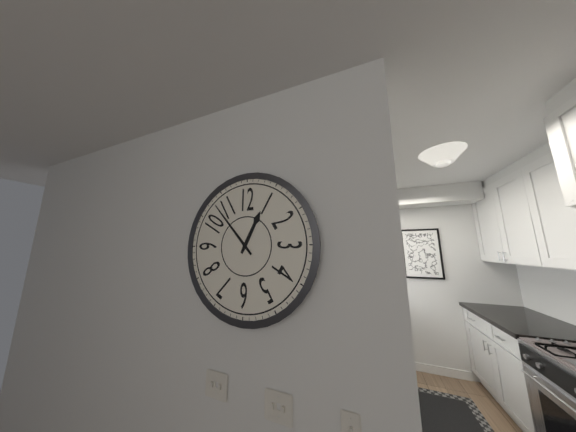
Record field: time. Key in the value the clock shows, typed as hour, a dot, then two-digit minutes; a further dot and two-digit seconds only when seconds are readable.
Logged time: 12.53
